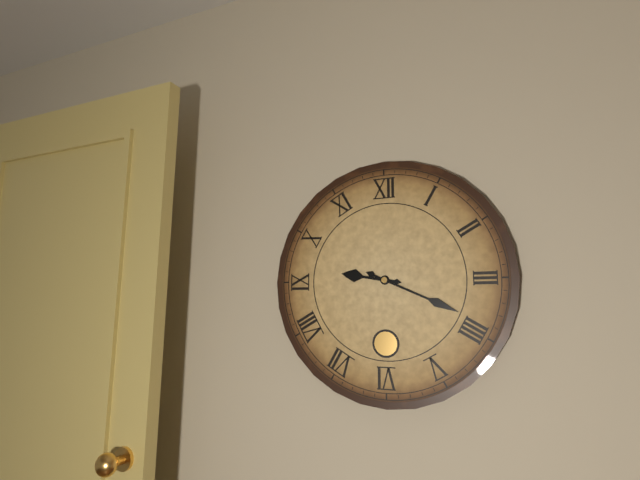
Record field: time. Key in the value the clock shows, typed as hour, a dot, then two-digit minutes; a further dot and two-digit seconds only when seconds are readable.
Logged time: 9.19
